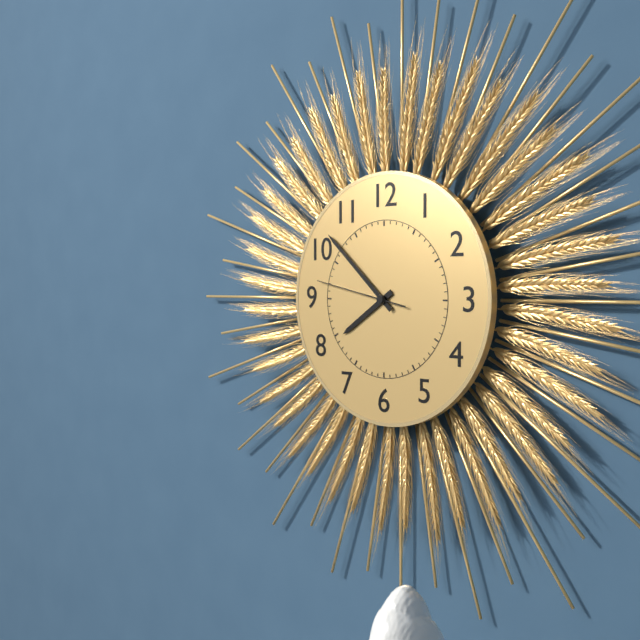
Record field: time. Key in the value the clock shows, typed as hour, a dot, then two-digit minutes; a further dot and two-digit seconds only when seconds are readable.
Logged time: 7.52.47
